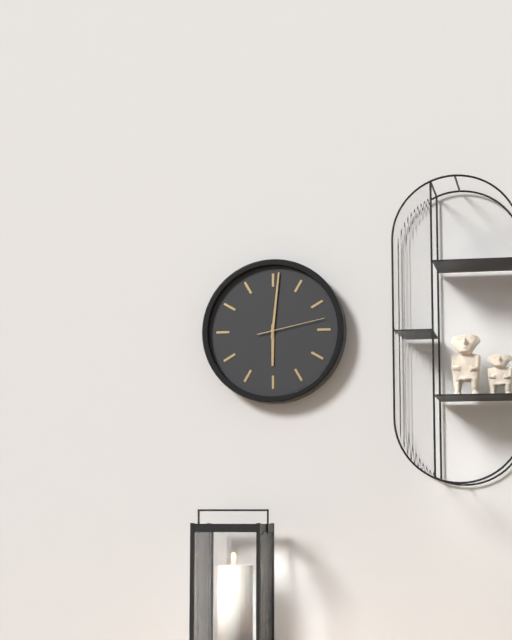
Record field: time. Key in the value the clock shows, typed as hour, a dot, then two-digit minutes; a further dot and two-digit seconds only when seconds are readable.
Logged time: 6.01.13
